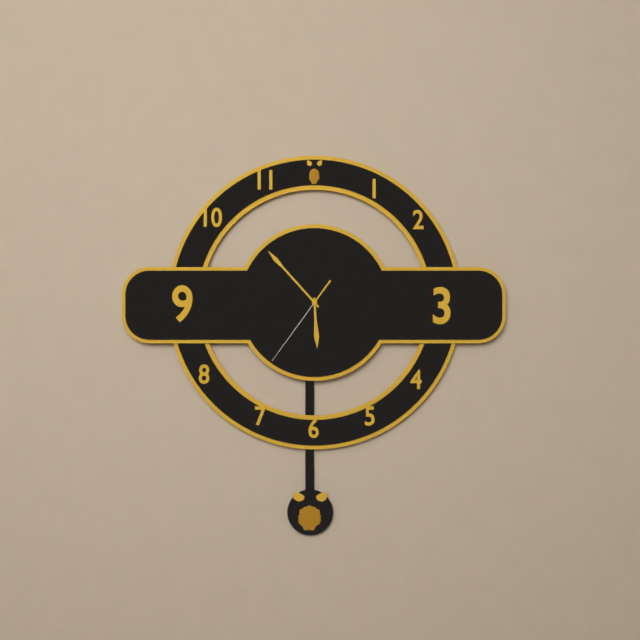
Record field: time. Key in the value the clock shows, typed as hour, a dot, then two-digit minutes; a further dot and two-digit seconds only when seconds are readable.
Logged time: 5.53.36
